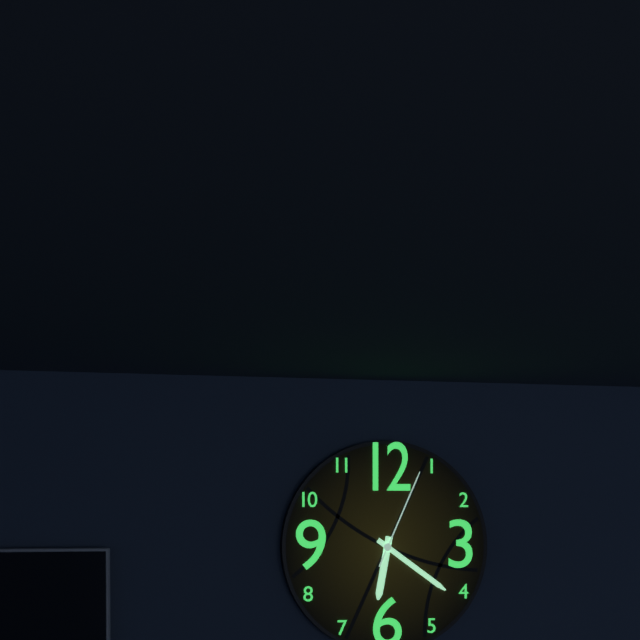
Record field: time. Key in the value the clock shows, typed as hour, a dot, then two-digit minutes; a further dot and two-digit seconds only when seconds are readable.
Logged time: 6.21.04
